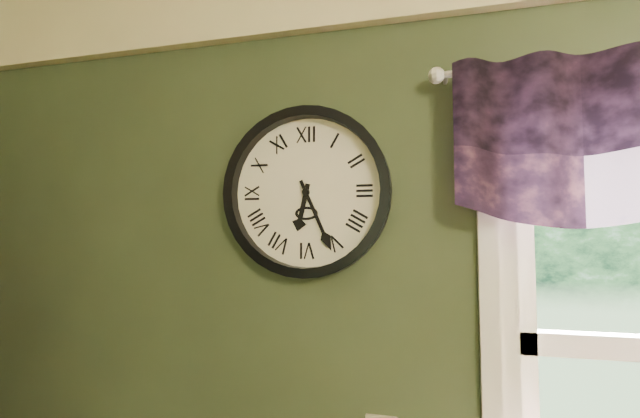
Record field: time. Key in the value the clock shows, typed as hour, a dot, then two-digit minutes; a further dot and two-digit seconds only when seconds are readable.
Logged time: 6.26
